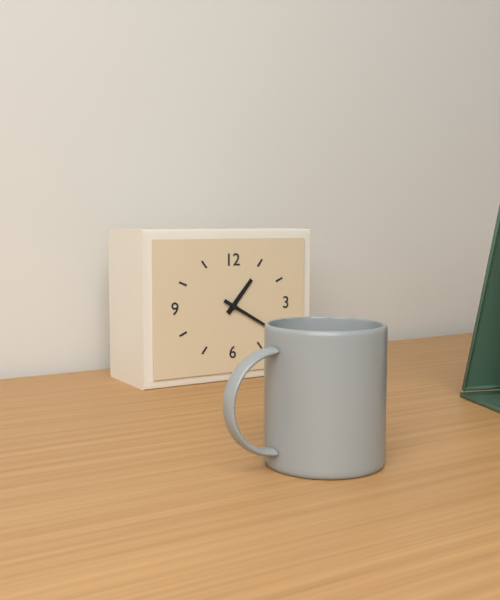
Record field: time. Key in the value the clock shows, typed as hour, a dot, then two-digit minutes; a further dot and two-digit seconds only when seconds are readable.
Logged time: 1.20
